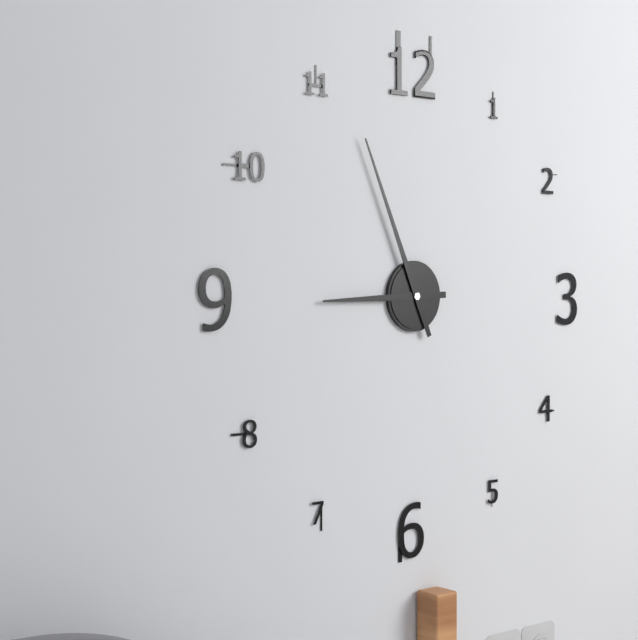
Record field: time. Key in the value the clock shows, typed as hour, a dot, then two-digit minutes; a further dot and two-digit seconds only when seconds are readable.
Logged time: 8.56
